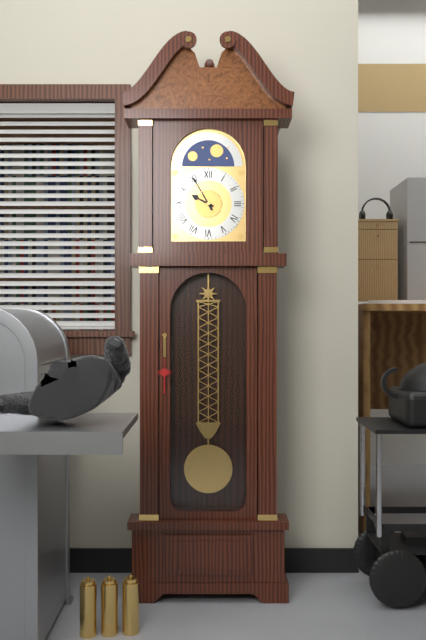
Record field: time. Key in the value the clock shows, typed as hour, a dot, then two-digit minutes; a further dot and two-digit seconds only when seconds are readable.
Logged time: 9.55
